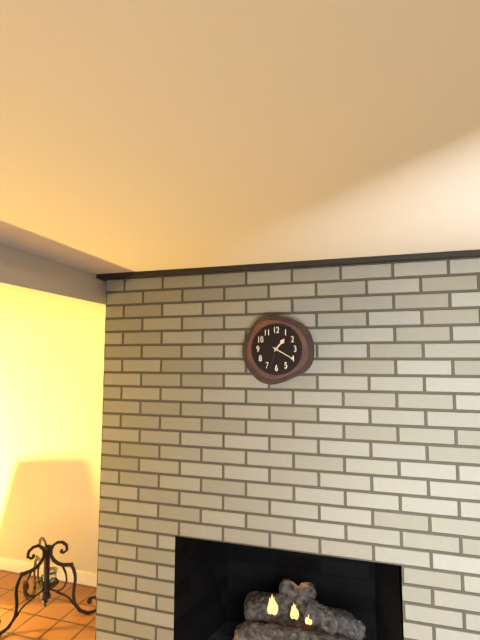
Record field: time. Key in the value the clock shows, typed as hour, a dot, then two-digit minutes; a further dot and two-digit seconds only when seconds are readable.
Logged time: 1.20
